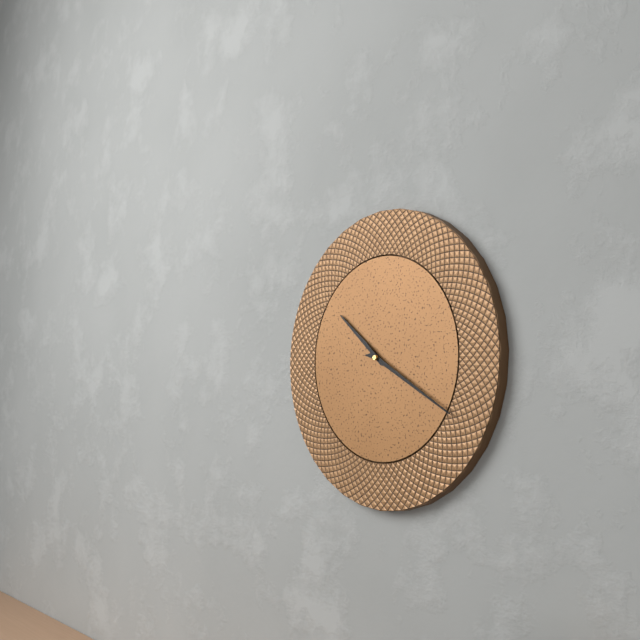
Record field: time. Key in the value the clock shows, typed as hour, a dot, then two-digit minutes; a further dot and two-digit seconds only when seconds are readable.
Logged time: 10.20
